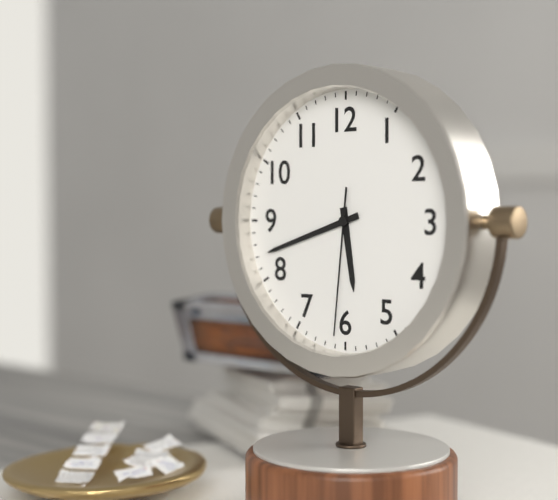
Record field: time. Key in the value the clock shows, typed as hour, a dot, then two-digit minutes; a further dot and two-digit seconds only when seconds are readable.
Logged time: 5.42.31
